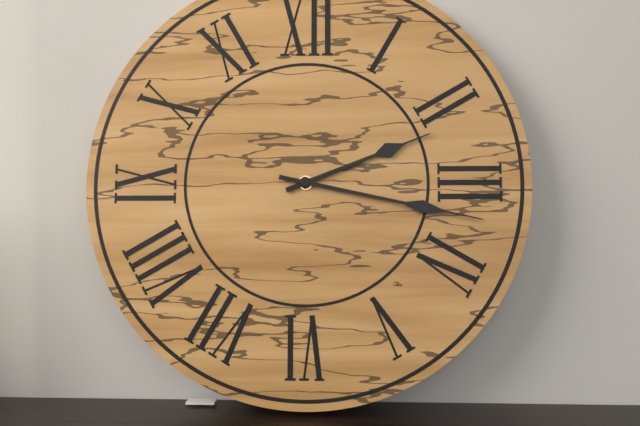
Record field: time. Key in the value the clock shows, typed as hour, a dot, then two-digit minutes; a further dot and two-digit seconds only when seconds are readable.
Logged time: 2.17
